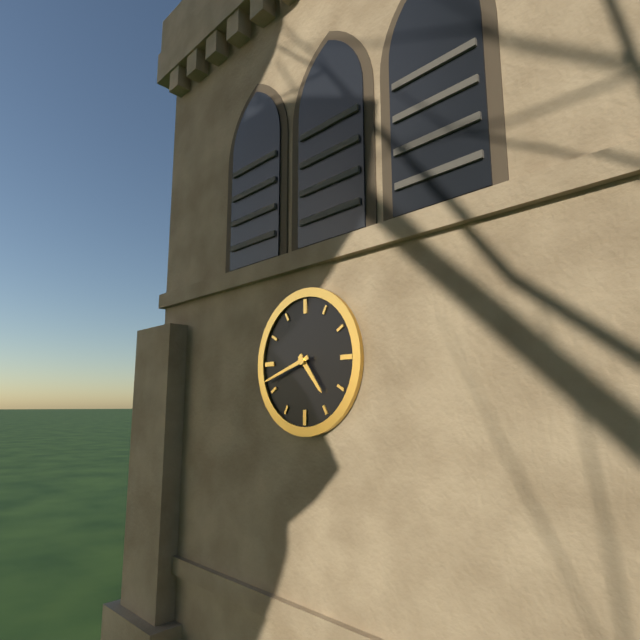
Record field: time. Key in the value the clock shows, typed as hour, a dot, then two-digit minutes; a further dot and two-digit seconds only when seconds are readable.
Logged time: 4.42
